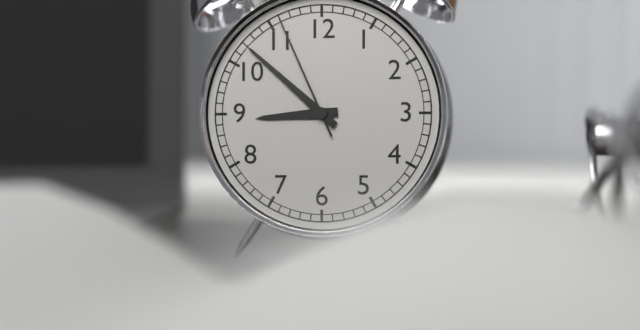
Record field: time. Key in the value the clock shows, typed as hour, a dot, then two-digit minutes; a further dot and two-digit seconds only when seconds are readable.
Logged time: 8.52.56
